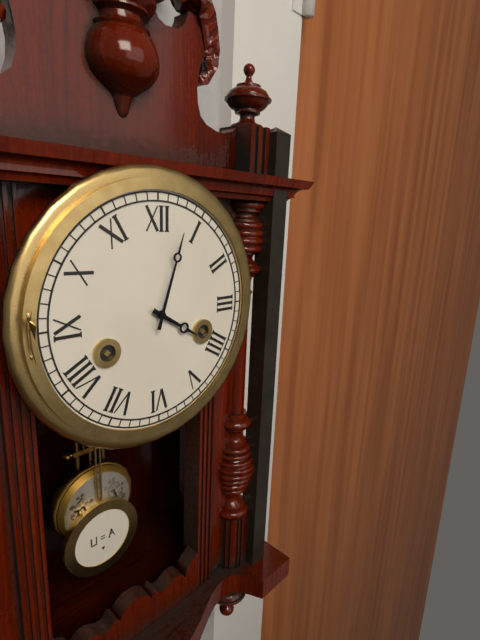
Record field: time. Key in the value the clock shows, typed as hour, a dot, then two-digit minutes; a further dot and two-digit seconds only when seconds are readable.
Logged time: 4.03
